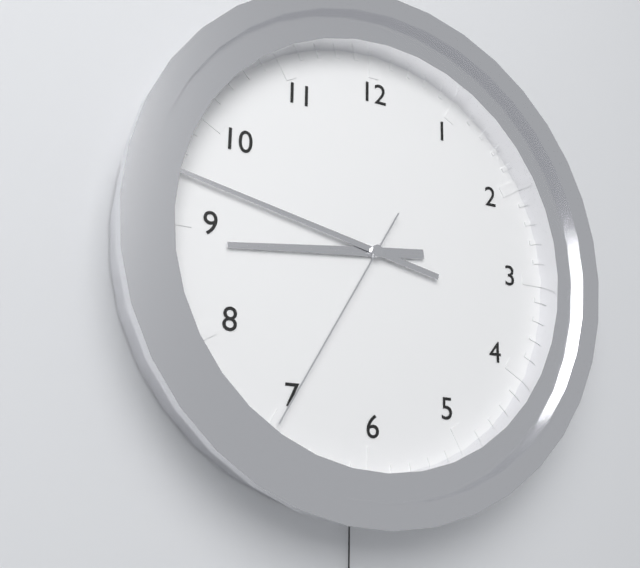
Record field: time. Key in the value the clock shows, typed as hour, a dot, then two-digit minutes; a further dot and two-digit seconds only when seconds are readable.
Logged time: 8.47.35
